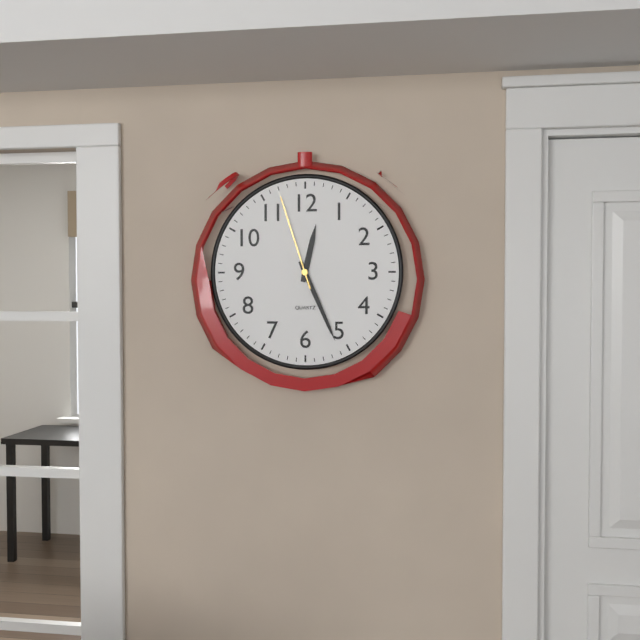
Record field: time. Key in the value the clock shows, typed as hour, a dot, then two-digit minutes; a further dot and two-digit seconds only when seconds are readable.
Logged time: 12.26.57
